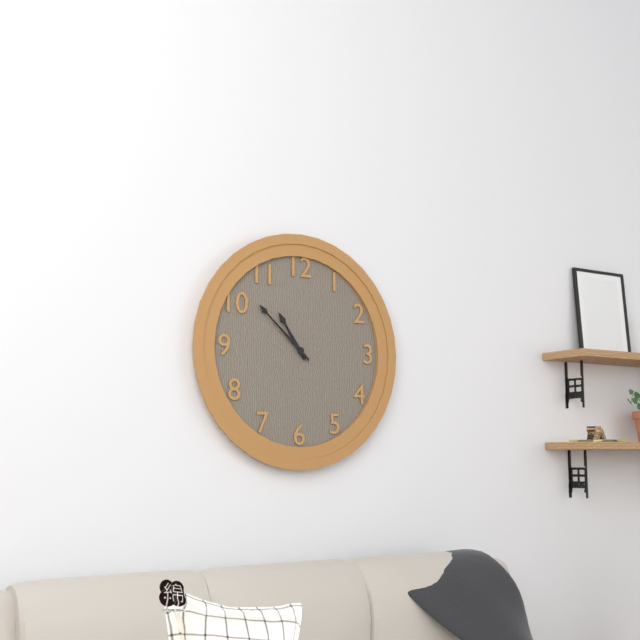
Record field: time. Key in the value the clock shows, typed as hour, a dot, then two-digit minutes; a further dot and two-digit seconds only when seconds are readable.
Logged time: 10.52
